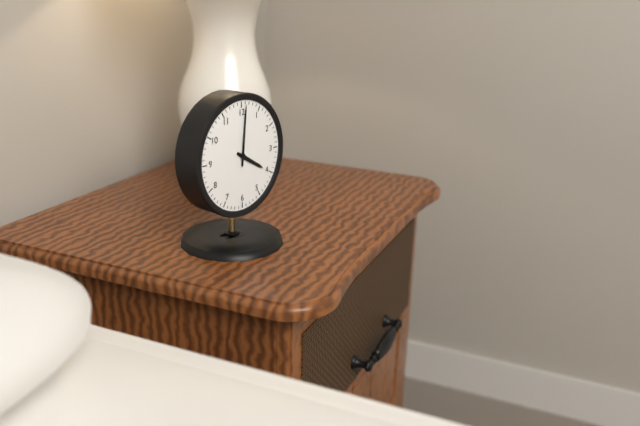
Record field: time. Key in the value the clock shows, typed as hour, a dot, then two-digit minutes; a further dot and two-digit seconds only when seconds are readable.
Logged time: 4.01
